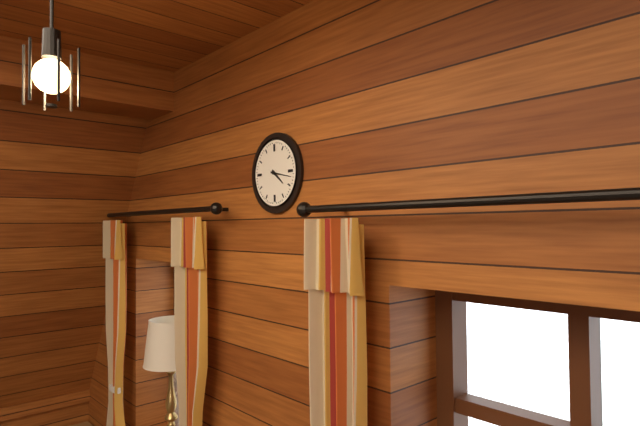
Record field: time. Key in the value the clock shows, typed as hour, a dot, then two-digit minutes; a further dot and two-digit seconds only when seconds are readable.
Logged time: 4.17
